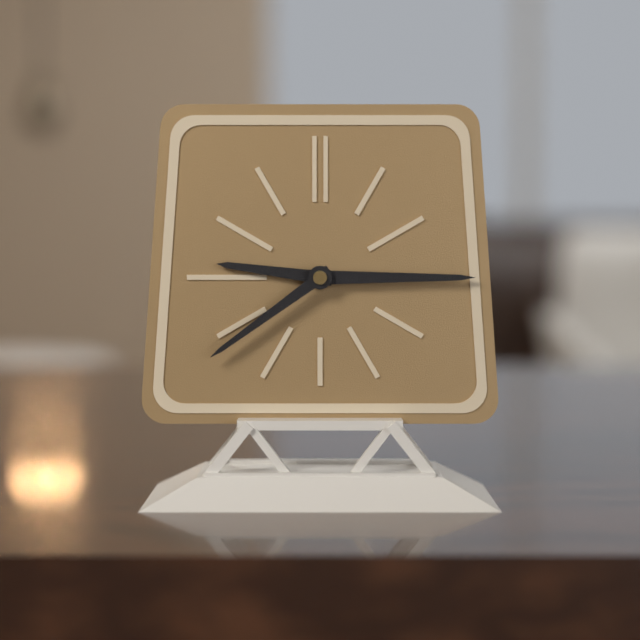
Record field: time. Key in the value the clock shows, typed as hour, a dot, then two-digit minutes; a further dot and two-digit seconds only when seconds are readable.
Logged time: 9.15.39
